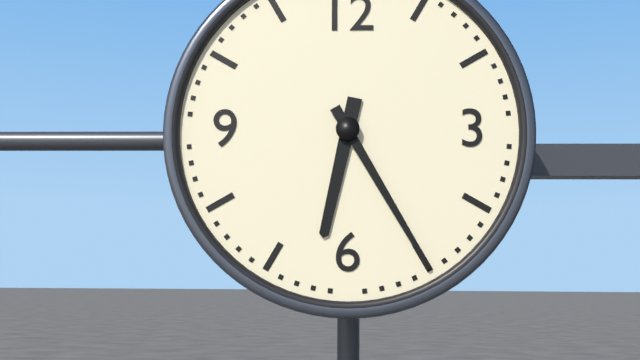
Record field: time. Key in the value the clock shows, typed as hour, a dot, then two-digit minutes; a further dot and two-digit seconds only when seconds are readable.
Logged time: 6.25
